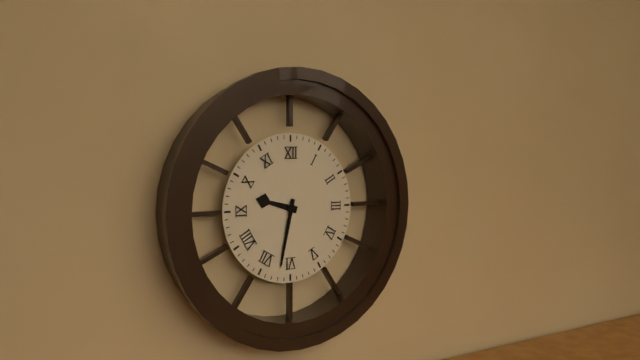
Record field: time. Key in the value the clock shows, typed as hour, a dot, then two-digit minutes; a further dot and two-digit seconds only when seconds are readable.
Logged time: 9.32
